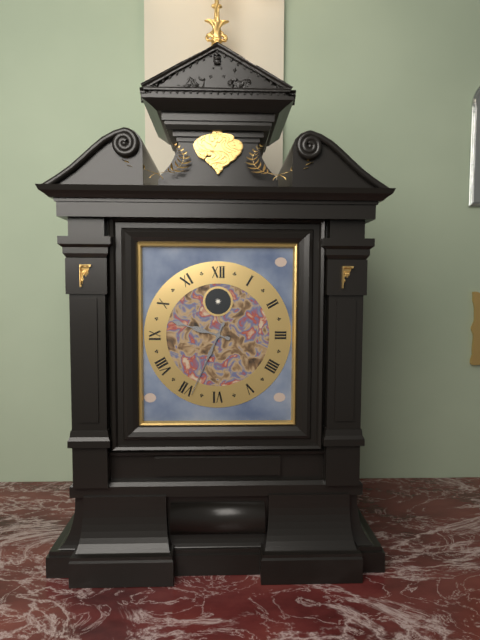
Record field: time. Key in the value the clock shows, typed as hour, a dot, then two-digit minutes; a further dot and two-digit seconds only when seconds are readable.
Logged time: 9.34
